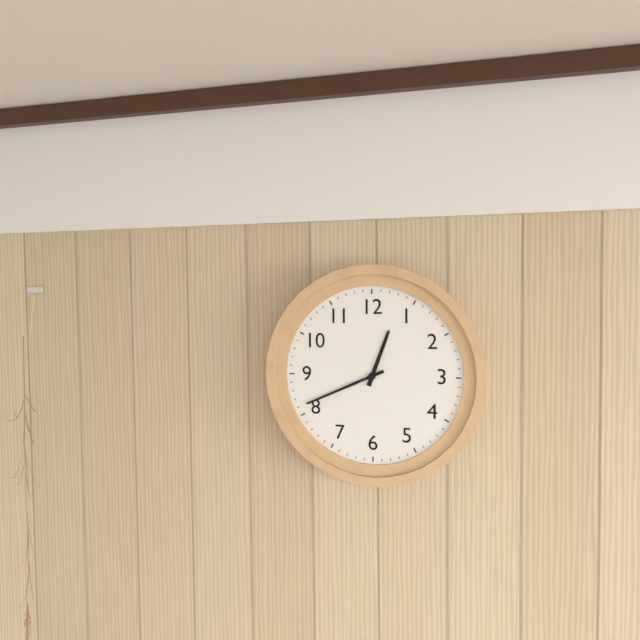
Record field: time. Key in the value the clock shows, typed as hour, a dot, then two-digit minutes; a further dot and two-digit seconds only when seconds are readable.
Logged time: 12.41
